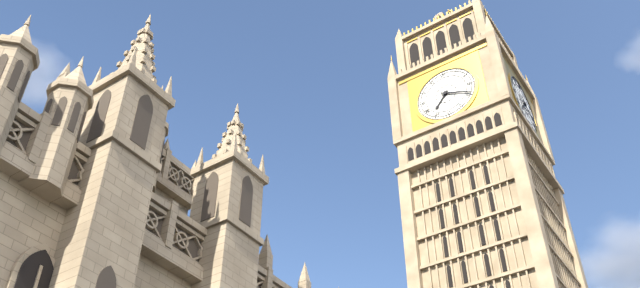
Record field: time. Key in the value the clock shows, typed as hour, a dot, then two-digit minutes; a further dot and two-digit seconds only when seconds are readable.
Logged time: 7.19
